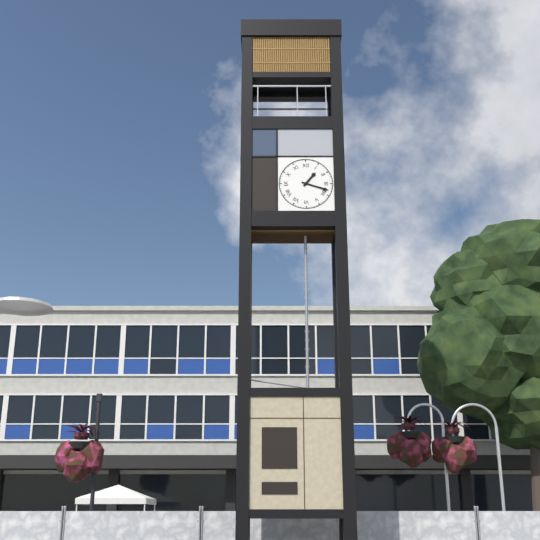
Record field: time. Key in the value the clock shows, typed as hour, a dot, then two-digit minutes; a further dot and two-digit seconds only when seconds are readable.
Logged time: 1.18
